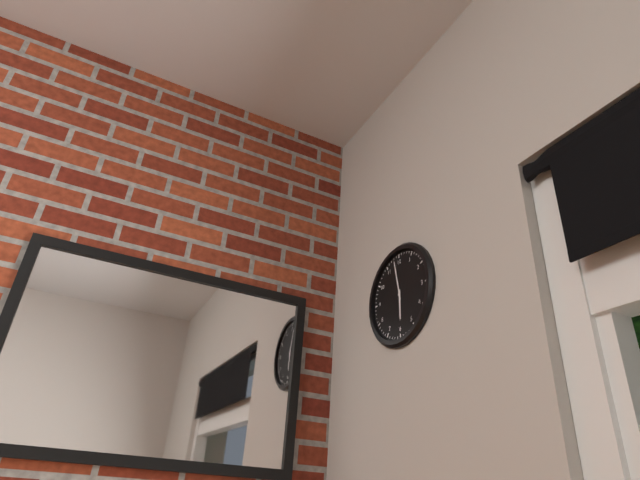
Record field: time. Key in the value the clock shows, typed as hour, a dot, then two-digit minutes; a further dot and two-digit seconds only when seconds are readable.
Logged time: 5.58
